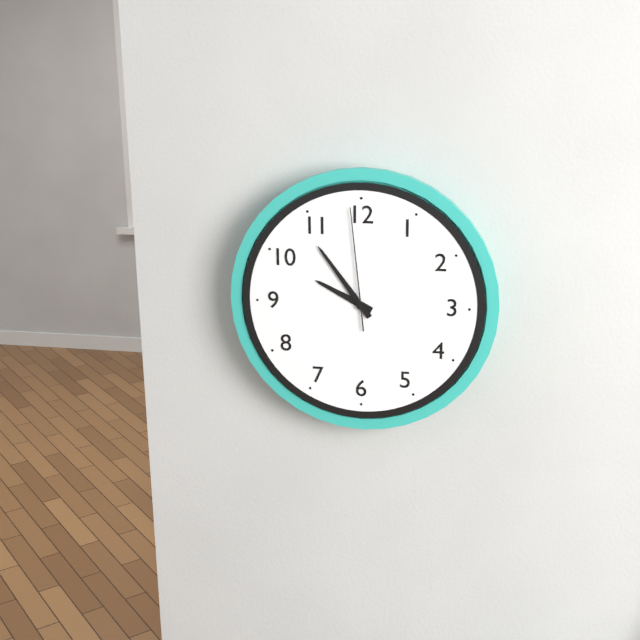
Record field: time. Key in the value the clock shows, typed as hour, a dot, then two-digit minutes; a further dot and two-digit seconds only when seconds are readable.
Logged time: 9.54.59
